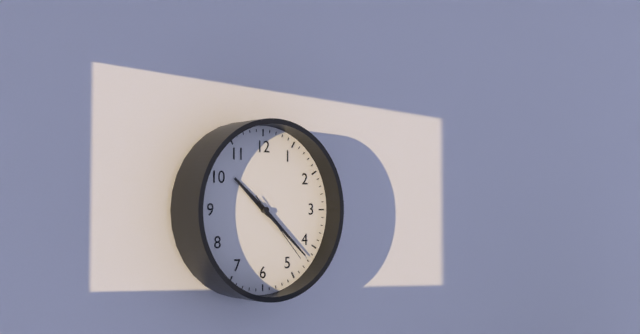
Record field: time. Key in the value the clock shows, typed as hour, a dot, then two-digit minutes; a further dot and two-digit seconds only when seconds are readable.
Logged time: 10.22.23
